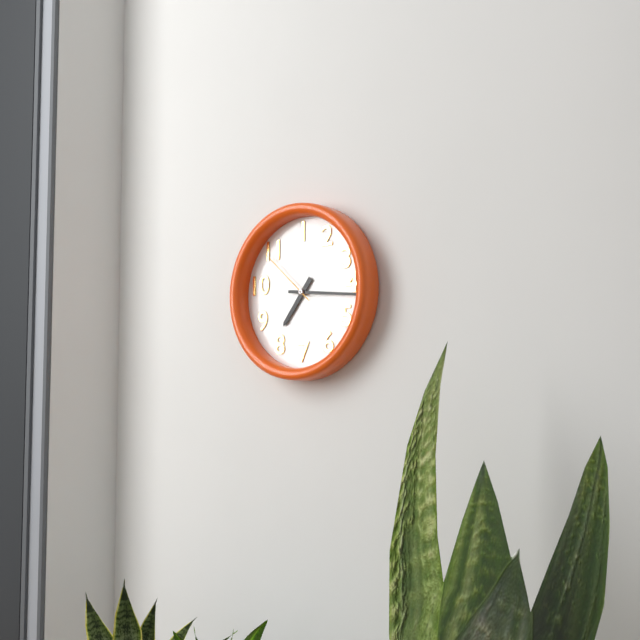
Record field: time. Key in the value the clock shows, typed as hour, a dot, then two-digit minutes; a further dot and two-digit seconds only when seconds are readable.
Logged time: 7.16.52
